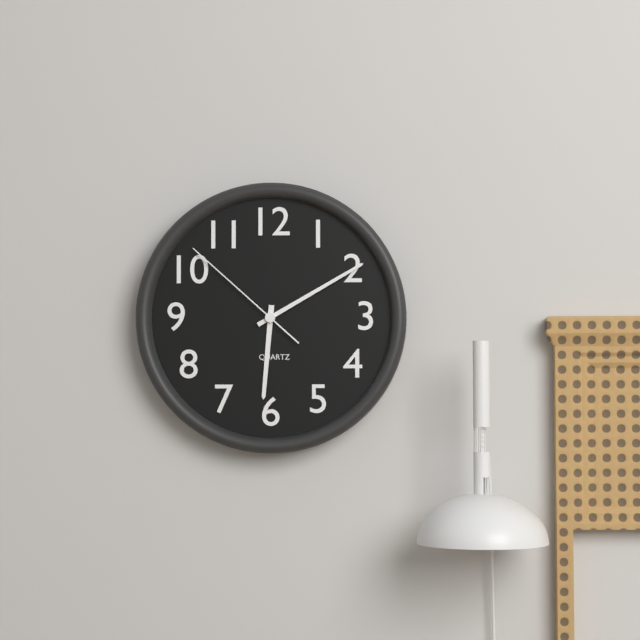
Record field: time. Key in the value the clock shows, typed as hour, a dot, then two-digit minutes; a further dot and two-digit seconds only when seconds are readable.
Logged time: 6.10.52
